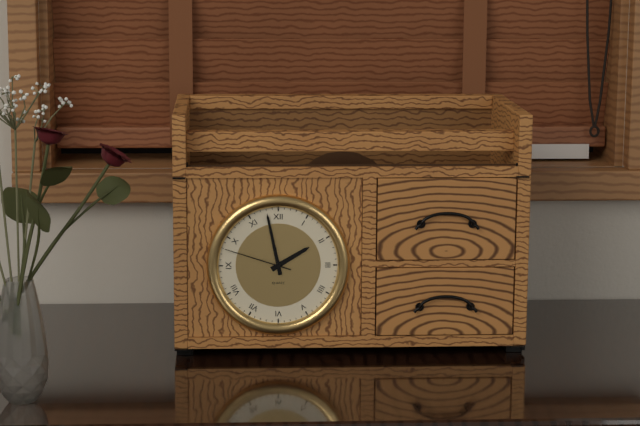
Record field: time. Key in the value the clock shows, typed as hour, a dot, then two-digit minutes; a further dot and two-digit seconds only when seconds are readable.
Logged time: 1.58.48
